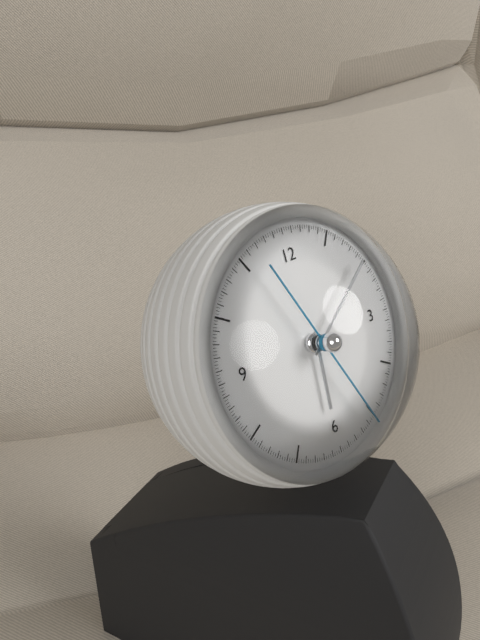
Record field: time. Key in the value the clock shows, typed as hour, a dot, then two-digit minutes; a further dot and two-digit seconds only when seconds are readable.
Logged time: 6.09.26
